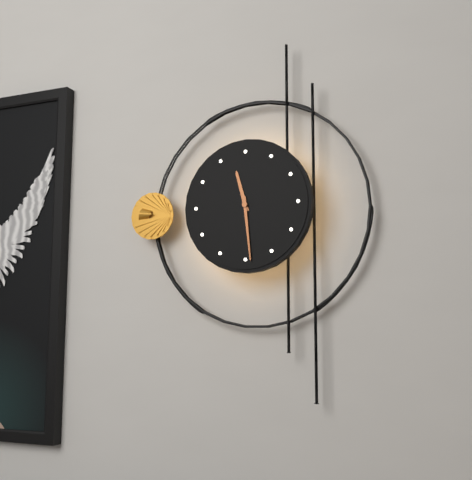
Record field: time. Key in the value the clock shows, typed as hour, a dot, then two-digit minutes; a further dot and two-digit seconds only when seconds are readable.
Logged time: 11.29
